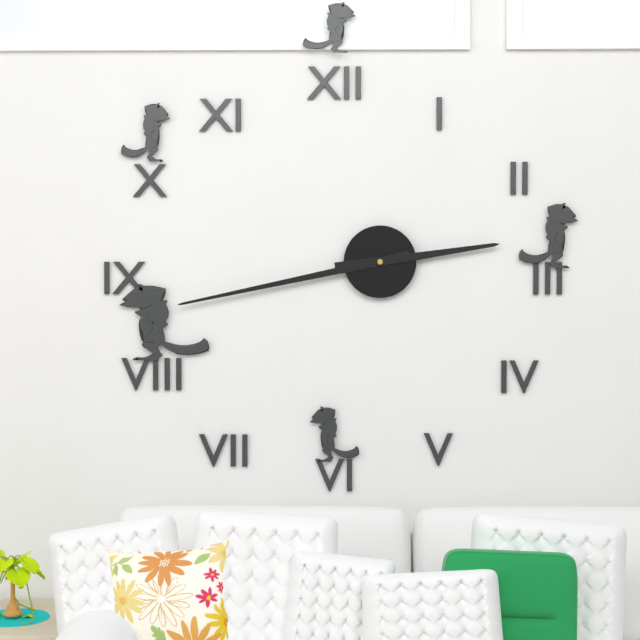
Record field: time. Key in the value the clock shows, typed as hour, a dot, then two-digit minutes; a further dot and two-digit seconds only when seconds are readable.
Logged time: 2.43
